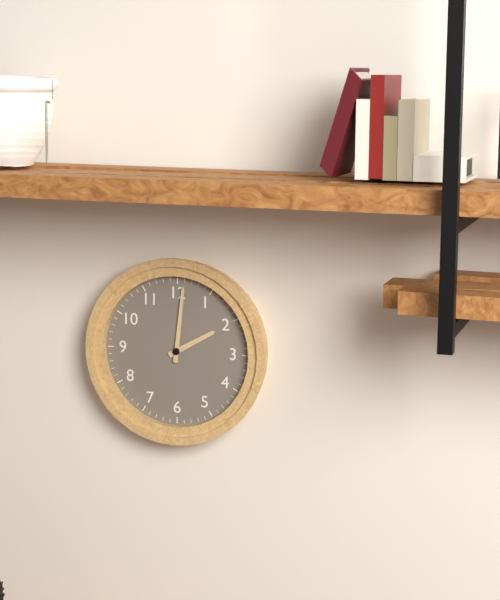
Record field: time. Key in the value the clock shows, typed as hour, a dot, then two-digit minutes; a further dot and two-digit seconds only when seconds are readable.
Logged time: 2.01
